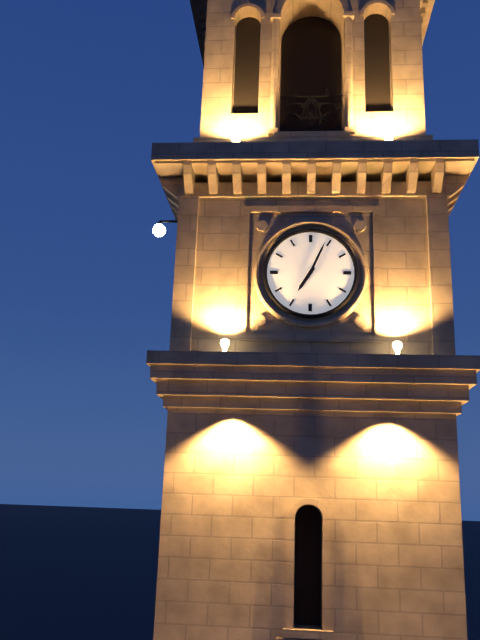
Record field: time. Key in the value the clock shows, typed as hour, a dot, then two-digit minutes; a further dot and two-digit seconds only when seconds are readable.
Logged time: 7.04
